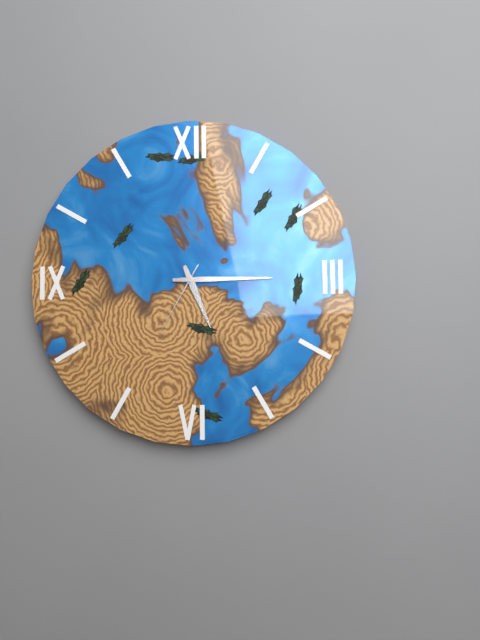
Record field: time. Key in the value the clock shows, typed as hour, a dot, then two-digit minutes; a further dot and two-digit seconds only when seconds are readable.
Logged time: 5.15.35
